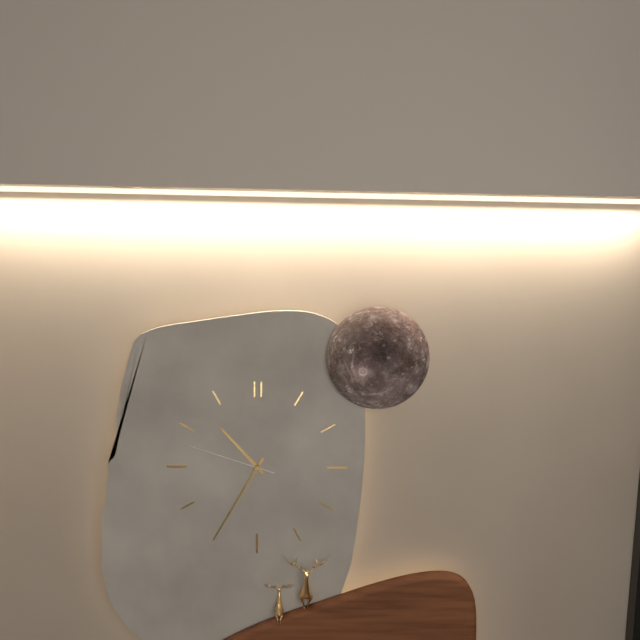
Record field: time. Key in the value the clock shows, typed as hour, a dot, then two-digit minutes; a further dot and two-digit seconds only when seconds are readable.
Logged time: 10.35.48
